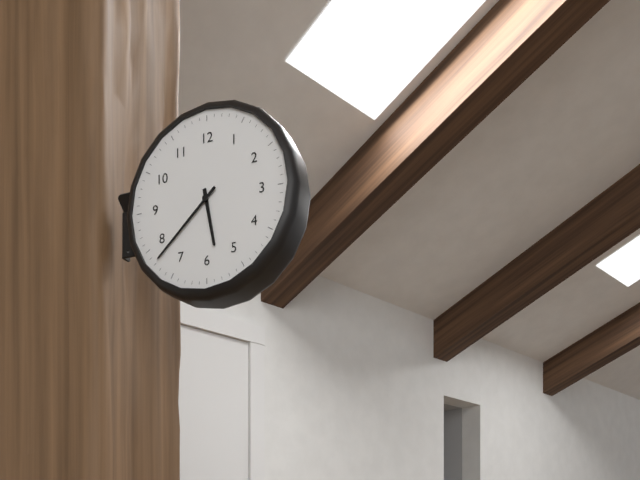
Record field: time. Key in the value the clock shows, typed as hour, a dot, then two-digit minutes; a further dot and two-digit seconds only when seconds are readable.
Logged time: 5.38
